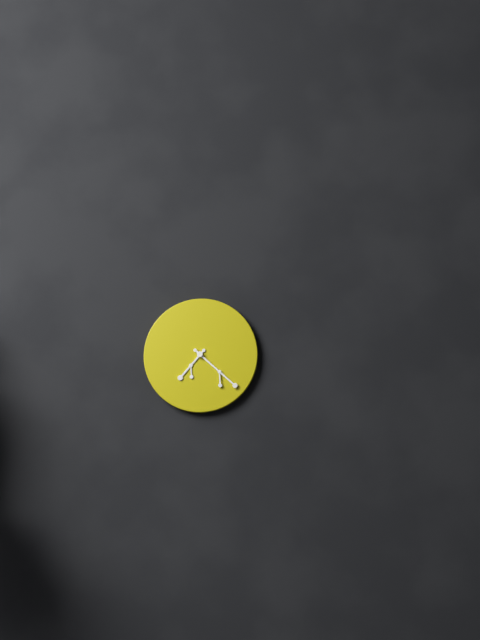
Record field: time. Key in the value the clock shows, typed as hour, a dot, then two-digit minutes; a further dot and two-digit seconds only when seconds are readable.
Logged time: 7.22
